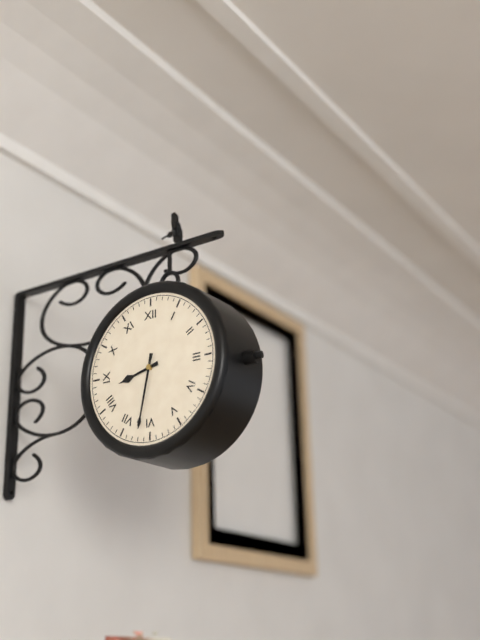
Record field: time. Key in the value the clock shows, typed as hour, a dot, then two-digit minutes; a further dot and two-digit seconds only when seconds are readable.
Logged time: 8.32
